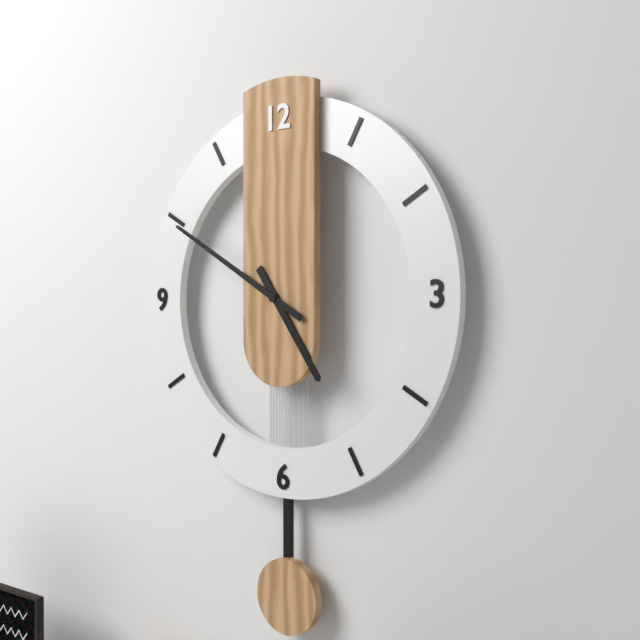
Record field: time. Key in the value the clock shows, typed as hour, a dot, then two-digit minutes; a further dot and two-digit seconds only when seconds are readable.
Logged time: 4.50
